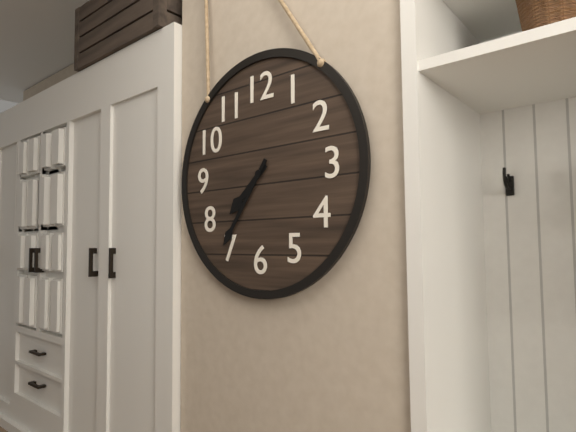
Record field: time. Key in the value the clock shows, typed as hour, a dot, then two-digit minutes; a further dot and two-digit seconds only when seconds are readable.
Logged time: 7.36
